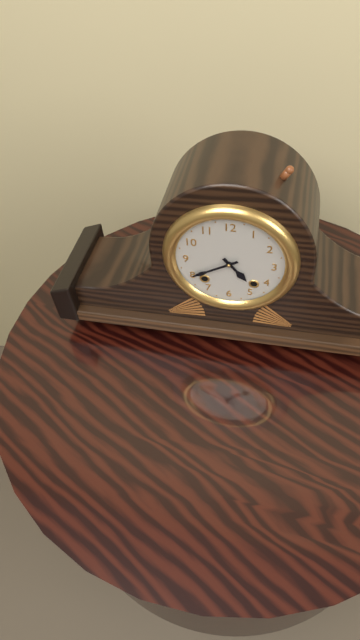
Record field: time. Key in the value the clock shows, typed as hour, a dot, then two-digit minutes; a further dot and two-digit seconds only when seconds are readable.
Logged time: 4.40
